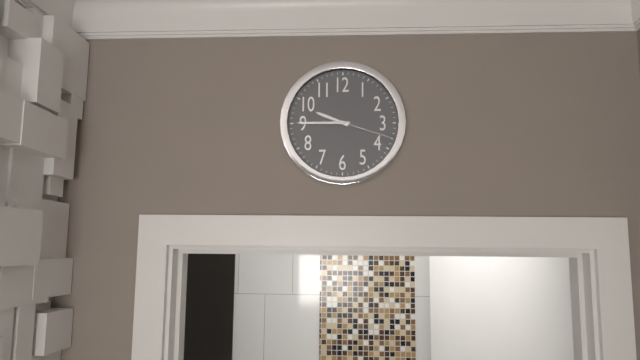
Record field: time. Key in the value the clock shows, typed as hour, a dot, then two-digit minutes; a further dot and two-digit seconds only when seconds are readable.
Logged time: 9.45.18
